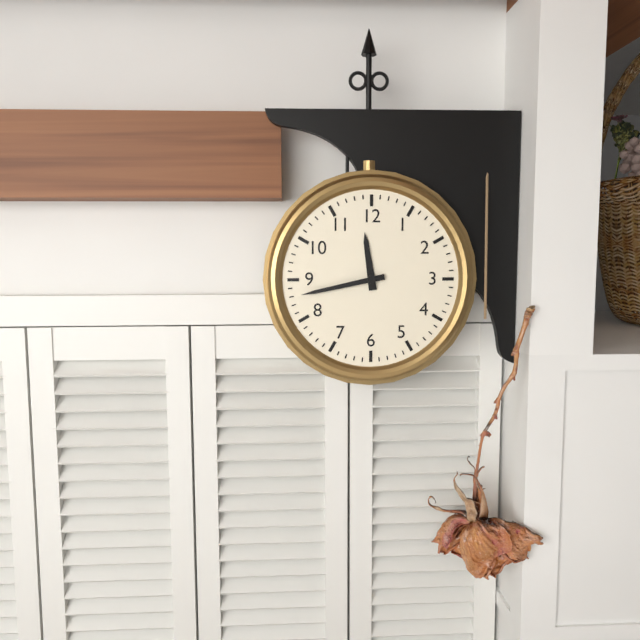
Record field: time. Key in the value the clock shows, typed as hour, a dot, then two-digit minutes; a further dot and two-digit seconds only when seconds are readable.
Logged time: 11.43
